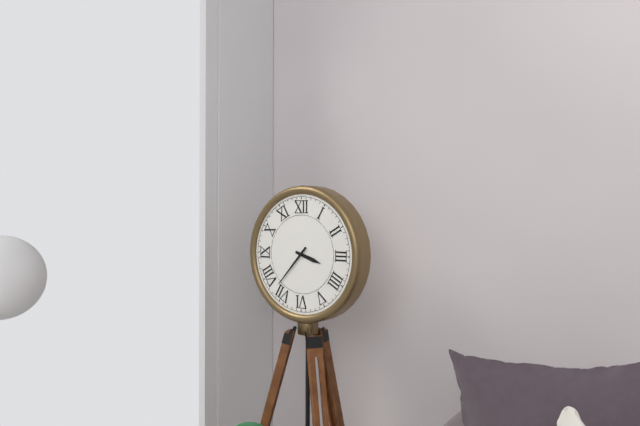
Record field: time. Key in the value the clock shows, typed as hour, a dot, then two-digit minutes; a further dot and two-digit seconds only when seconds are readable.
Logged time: 3.37
